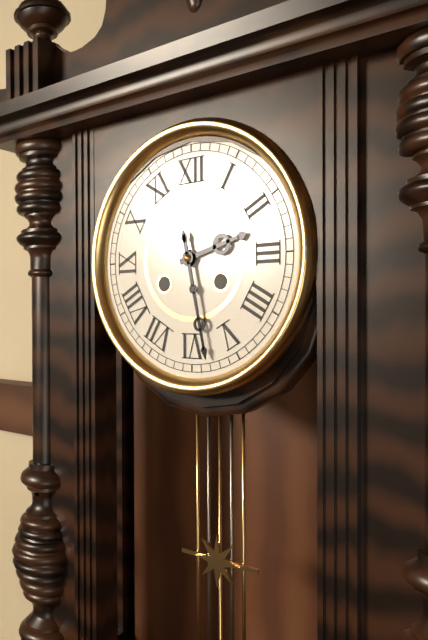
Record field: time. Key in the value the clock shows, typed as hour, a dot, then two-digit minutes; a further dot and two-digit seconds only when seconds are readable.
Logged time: 2.28
